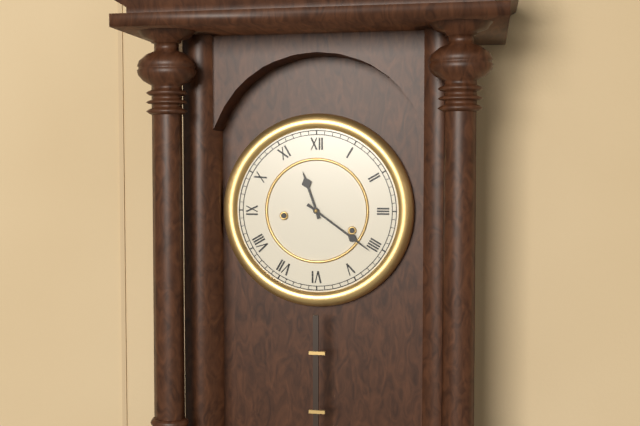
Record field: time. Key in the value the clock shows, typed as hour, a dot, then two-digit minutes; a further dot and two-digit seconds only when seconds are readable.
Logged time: 11.21
